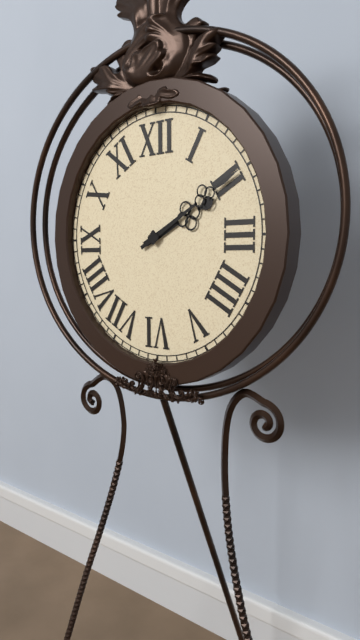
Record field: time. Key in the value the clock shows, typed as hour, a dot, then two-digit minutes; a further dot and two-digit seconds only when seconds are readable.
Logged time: 2.10
